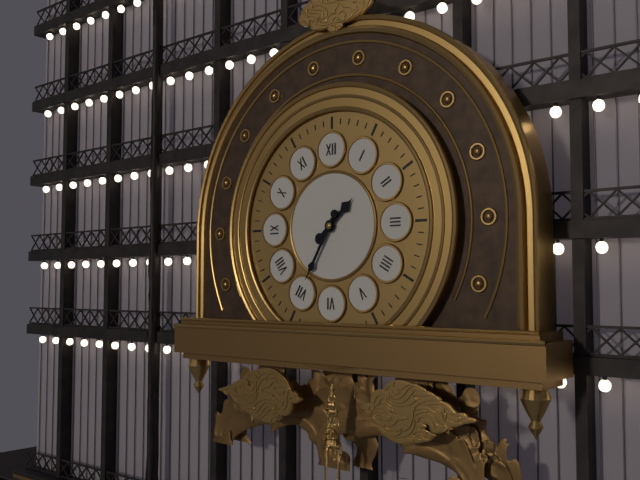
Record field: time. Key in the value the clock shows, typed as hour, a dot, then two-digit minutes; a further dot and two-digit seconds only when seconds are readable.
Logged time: 1.35
